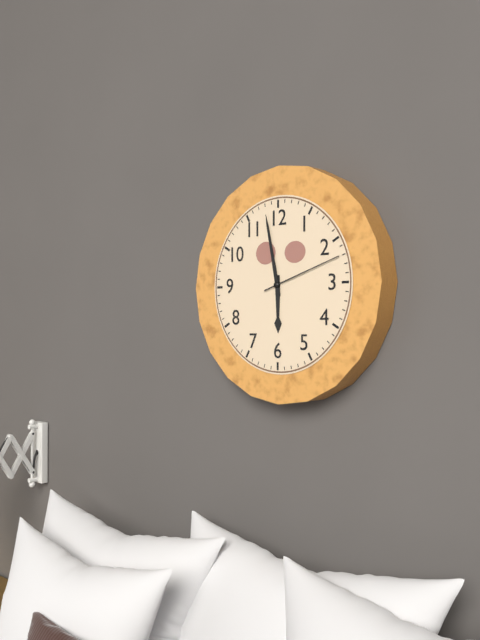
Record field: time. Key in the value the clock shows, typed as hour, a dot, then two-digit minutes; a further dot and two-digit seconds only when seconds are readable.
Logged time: 5.58.12
